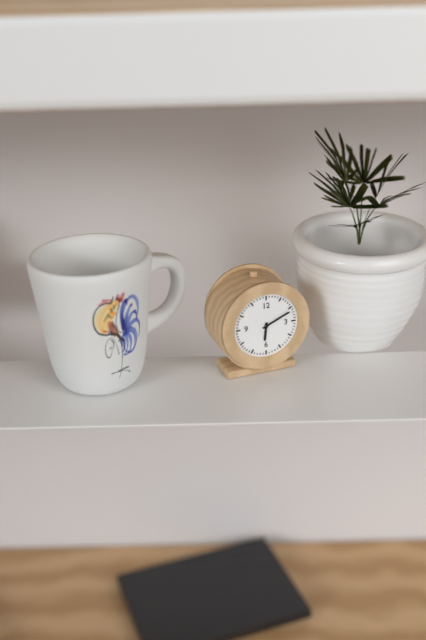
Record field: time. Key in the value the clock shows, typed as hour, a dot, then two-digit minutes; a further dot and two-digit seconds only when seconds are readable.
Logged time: 6.11
